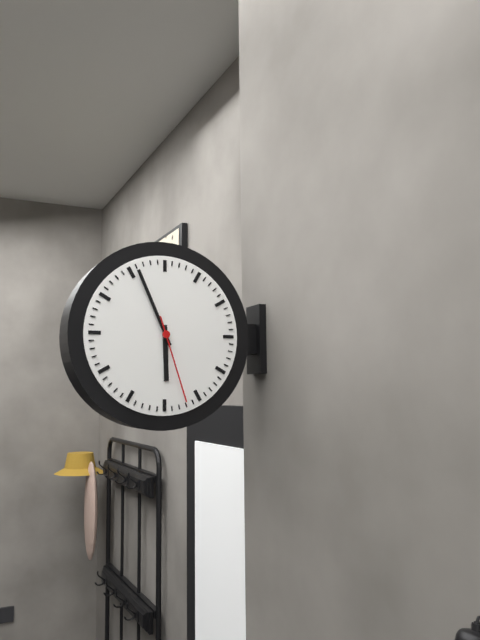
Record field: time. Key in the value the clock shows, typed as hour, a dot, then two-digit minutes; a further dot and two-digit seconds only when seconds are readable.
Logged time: 5.56.27
